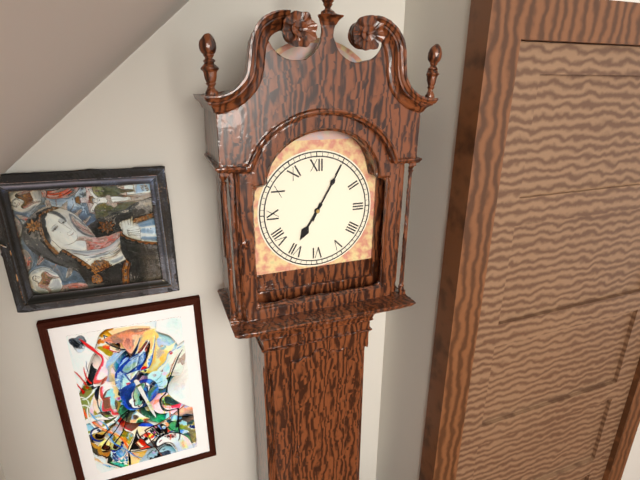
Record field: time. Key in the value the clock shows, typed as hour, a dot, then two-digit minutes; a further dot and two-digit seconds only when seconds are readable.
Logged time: 7.05
